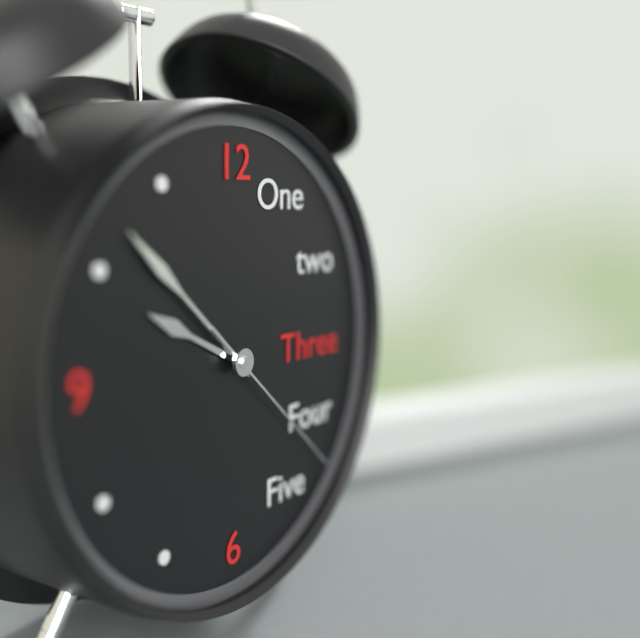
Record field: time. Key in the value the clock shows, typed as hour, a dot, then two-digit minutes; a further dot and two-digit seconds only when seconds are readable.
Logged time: 9.52.22
